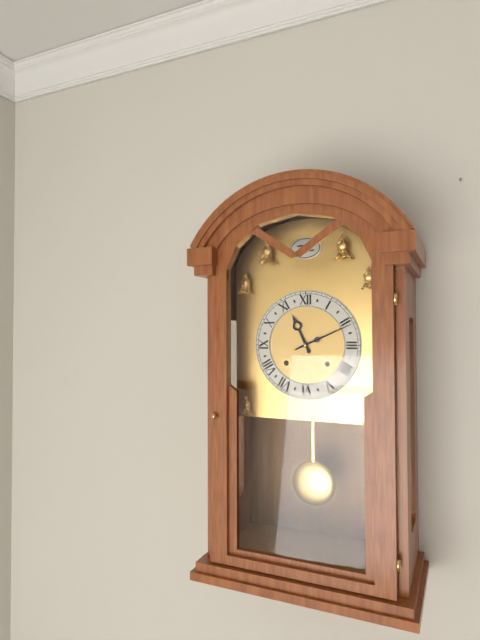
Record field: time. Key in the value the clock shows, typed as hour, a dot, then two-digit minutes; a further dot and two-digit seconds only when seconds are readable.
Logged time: 11.11
